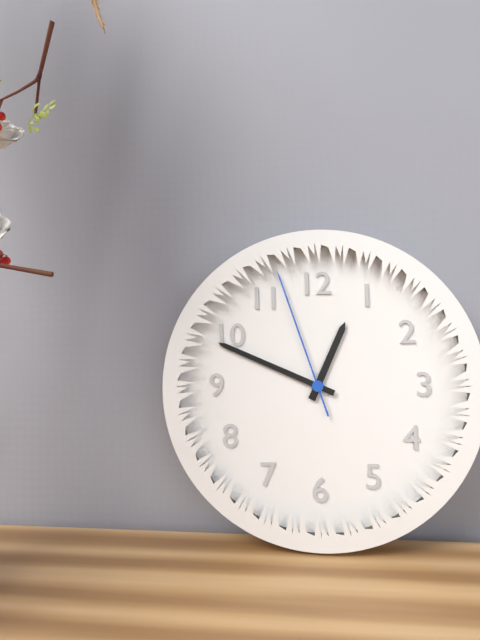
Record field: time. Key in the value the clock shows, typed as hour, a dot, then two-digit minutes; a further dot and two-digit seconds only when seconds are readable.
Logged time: 12.49.57
